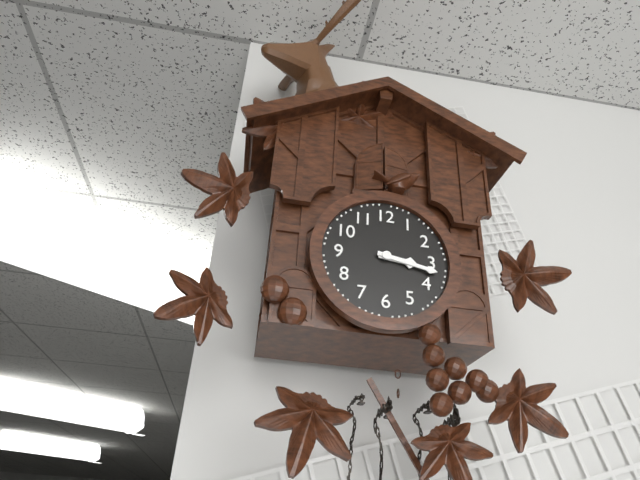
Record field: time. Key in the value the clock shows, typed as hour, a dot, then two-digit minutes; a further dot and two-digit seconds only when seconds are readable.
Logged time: 3.17
